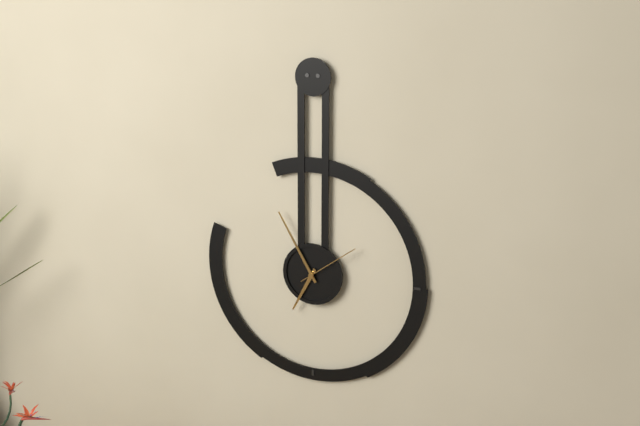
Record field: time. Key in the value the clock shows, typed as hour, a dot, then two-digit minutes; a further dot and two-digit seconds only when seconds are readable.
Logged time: 6.55.09
